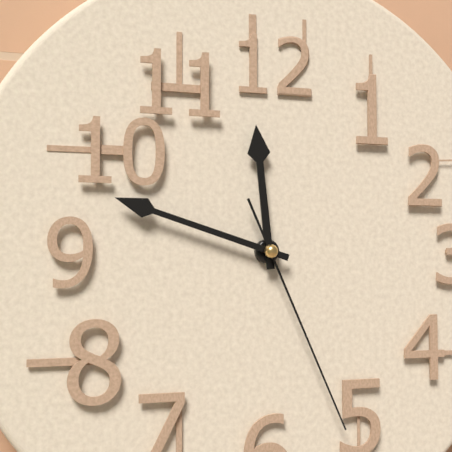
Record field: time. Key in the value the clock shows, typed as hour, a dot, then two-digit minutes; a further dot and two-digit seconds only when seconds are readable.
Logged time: 11.48.26
